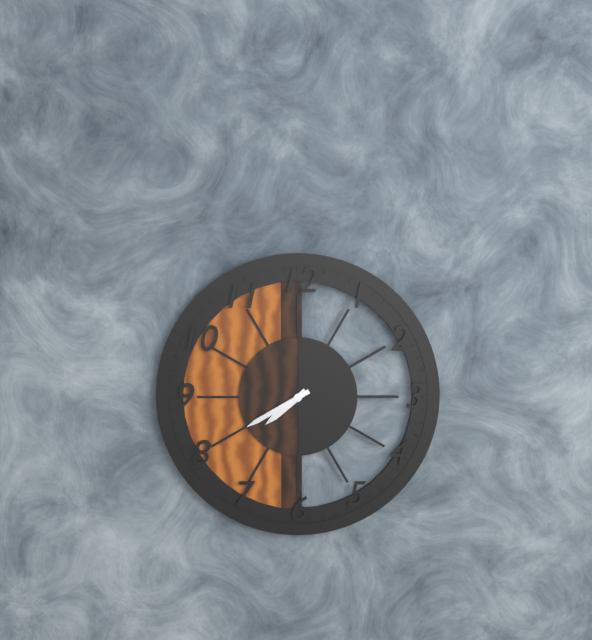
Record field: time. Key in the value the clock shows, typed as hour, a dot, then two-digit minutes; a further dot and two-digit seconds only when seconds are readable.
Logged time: 7.40
